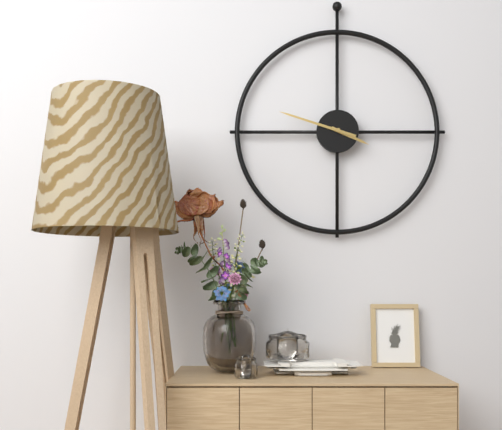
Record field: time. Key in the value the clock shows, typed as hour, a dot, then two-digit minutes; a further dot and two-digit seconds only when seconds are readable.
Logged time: 3.48
